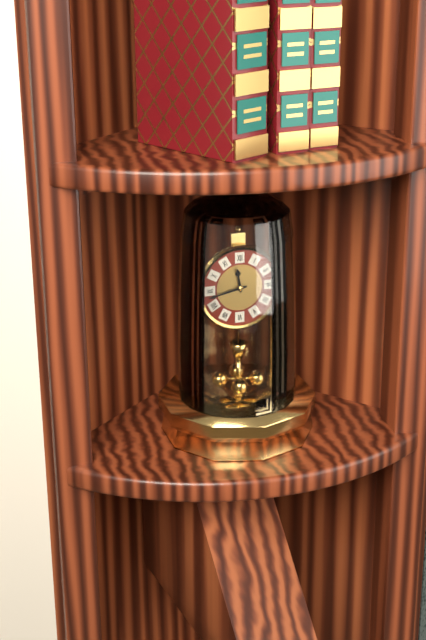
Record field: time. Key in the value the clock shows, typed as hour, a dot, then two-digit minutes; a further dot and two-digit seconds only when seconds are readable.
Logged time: 11.43
